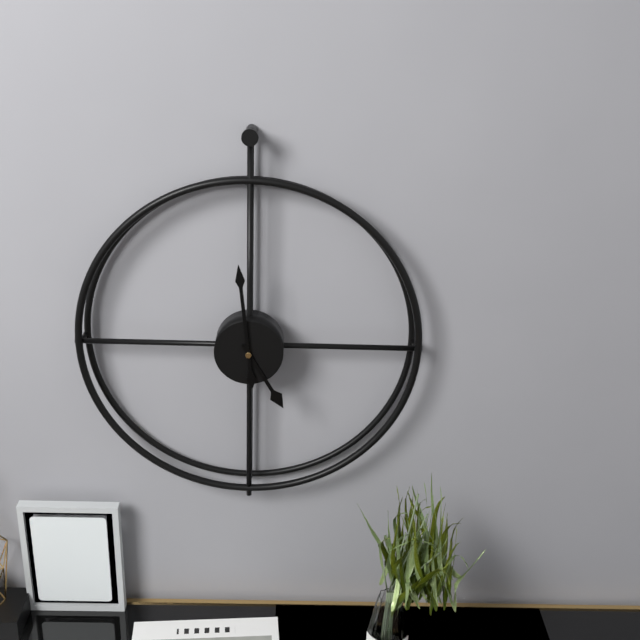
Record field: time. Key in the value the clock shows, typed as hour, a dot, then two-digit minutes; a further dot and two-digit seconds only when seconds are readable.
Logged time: 4.59
